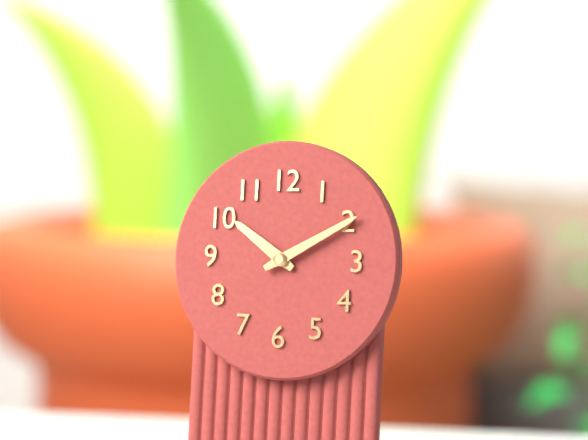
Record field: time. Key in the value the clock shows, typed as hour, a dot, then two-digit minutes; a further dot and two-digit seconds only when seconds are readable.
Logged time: 10.10
